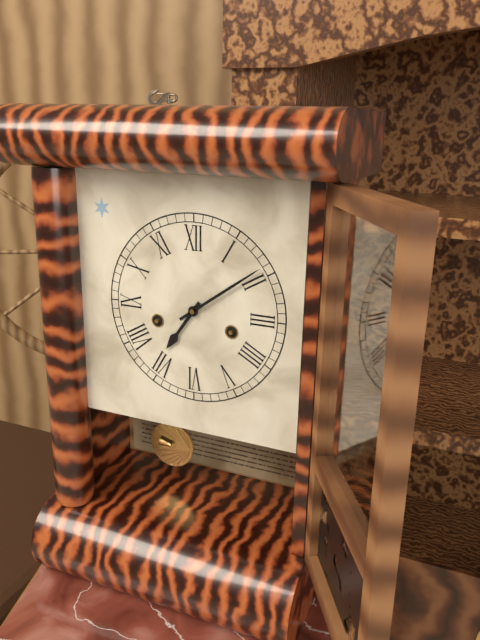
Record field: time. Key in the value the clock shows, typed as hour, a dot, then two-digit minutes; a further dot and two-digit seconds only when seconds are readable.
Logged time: 7.09
